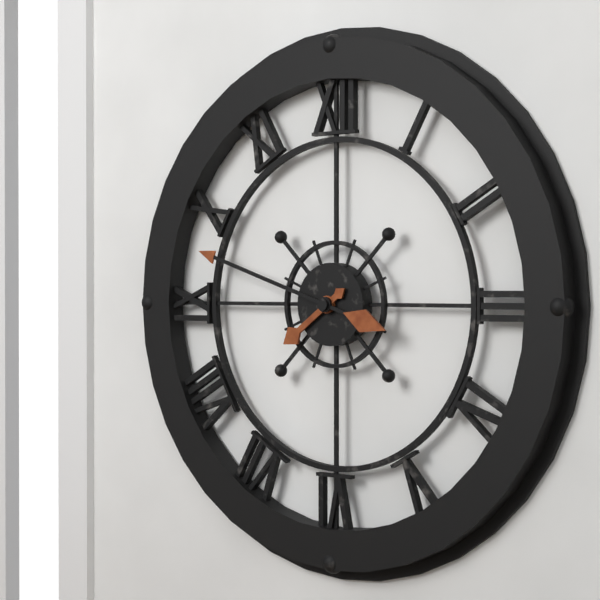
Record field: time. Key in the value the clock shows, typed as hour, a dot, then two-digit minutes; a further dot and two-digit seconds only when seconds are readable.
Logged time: 7.48
